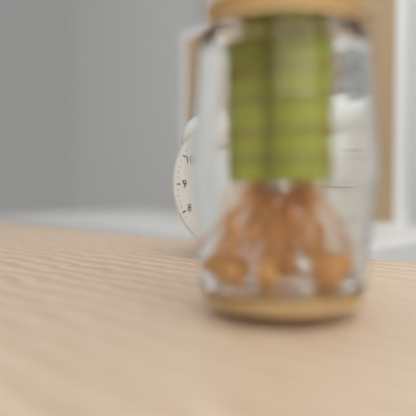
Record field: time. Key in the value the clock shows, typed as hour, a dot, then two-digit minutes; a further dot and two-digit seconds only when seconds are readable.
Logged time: 6.33
